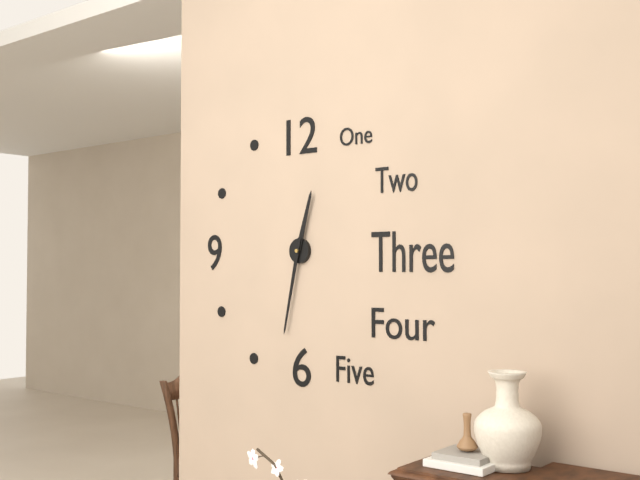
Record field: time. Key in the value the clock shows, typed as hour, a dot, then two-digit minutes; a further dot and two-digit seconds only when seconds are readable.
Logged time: 12.32
